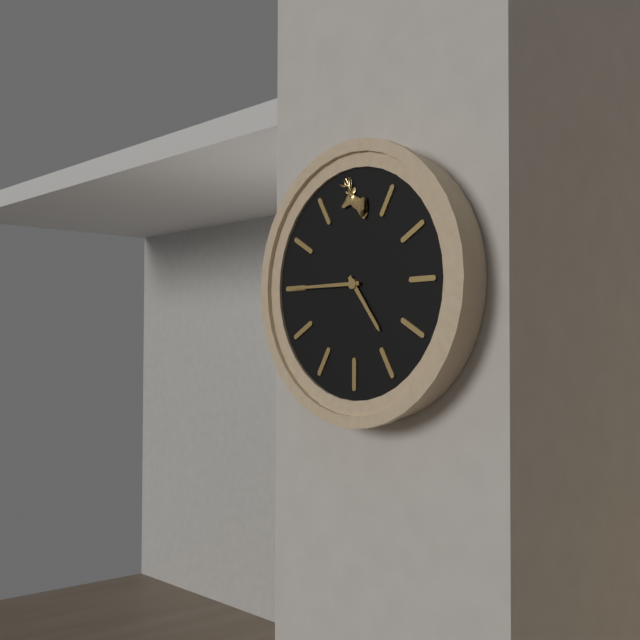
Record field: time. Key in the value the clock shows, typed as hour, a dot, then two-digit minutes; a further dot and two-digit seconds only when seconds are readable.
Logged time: 4.45
